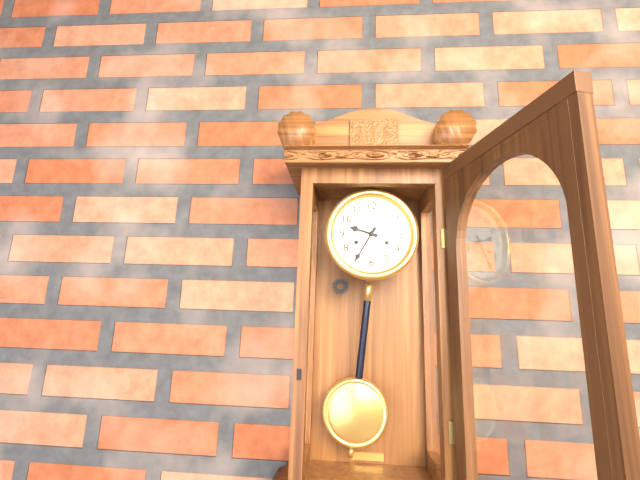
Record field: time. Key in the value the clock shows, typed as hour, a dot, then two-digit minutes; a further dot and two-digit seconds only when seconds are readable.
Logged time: 9.35
